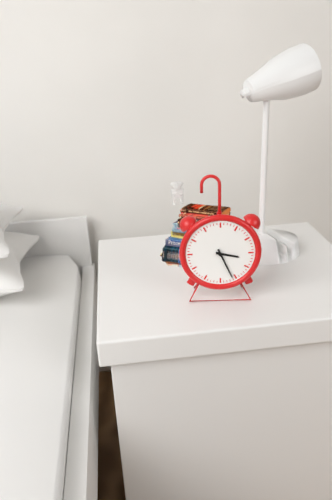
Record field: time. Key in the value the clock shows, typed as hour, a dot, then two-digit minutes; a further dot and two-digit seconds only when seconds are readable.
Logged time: 3.26
